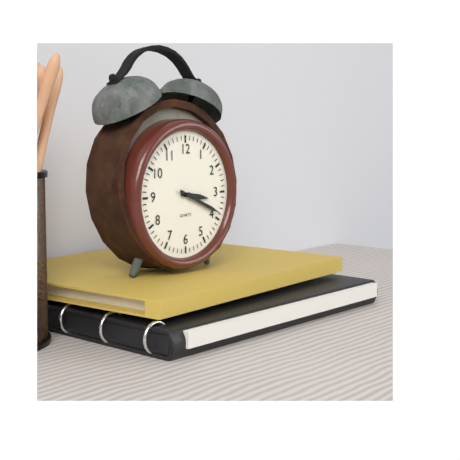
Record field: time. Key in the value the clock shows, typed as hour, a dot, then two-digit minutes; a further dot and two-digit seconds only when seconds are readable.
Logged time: 3.19
